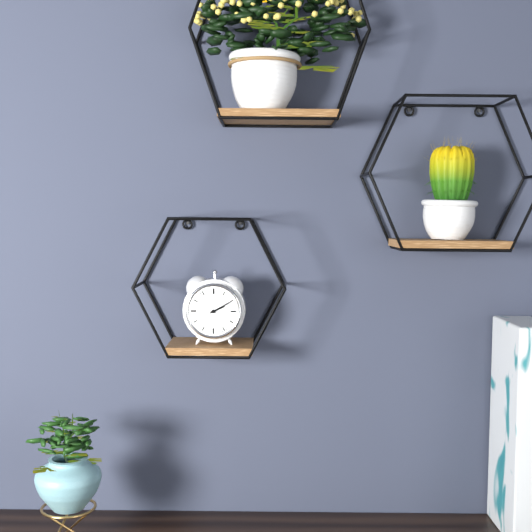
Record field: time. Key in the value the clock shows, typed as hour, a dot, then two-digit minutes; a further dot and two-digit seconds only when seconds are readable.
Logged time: 2.10
